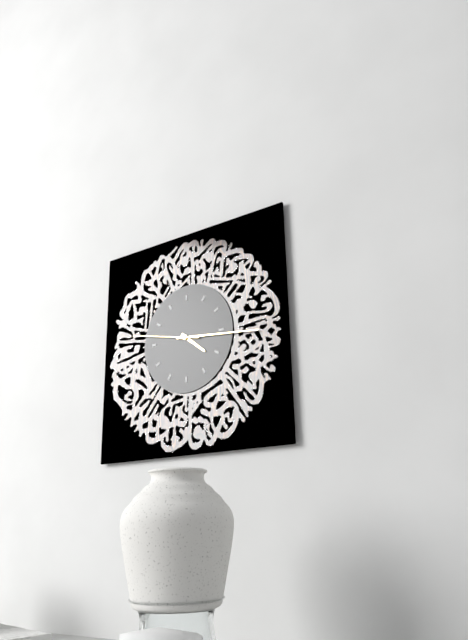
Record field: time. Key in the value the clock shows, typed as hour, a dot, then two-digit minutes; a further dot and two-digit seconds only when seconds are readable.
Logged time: 4.16.47
